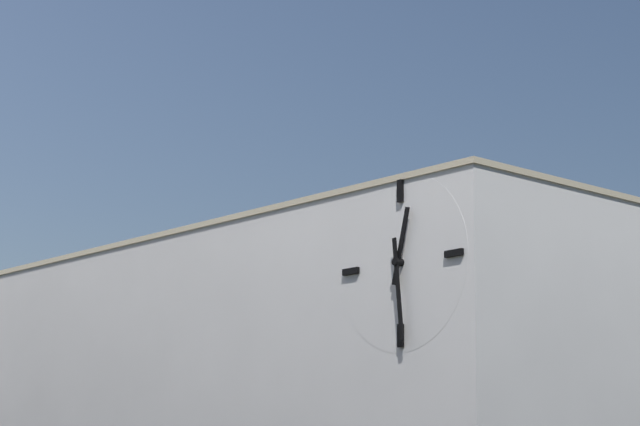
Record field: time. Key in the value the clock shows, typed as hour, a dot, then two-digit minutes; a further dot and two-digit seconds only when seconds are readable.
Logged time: 12.29
